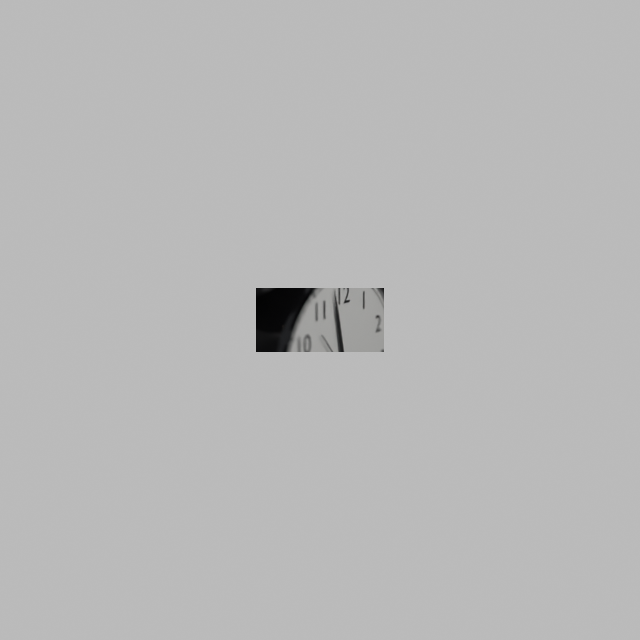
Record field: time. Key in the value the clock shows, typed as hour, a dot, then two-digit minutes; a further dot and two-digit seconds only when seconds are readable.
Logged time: 8.58.53
